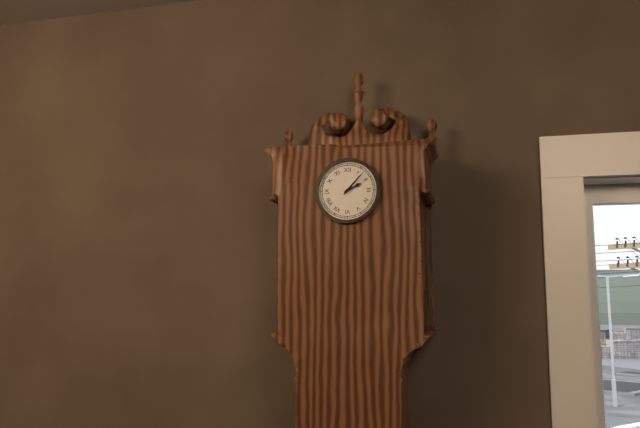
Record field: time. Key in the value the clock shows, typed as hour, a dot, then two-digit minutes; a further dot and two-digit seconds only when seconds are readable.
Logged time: 2.07
